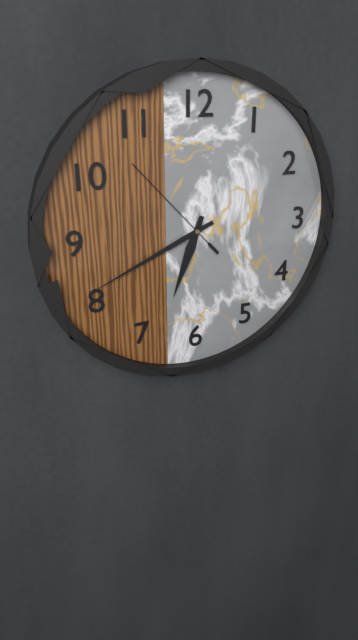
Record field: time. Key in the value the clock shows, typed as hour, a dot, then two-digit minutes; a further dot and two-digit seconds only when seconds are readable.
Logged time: 6.41.53
